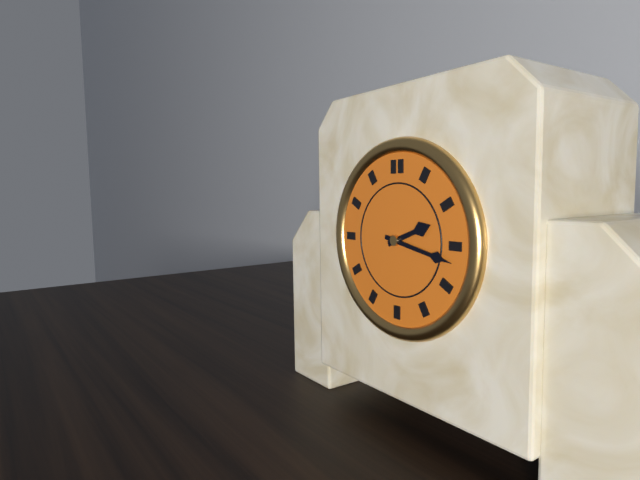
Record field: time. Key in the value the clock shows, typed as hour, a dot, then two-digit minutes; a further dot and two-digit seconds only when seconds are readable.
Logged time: 2.17
